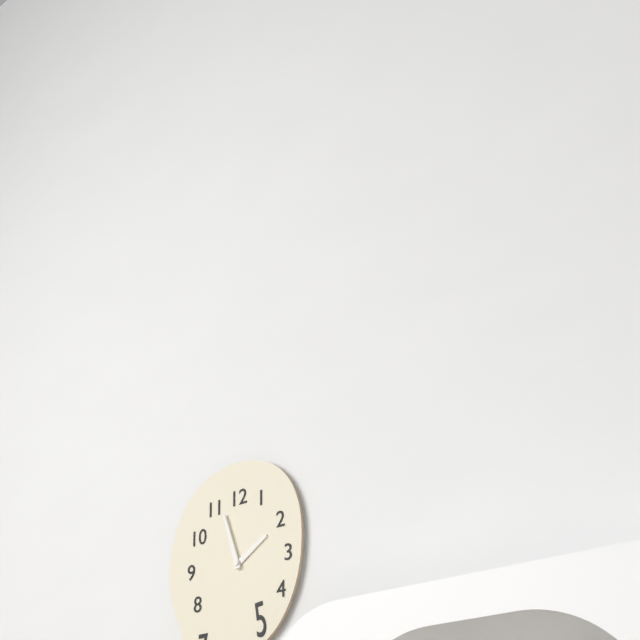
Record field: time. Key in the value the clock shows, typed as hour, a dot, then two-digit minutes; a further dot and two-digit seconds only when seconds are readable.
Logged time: 1.57
